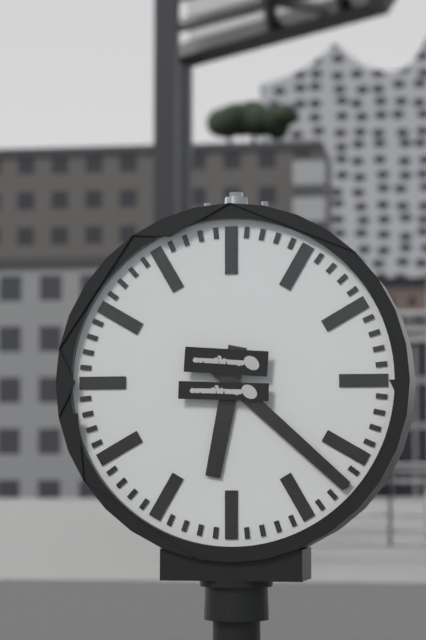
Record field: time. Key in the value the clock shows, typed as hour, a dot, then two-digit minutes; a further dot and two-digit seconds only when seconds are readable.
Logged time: 6.22
